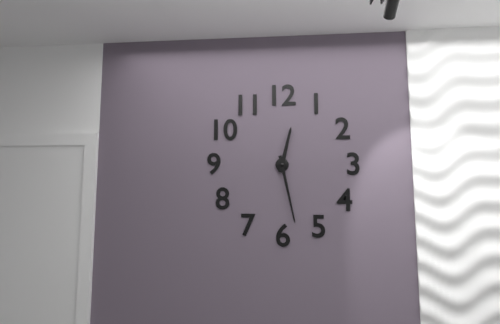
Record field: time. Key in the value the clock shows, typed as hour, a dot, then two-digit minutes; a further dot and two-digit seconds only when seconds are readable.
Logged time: 12.28
